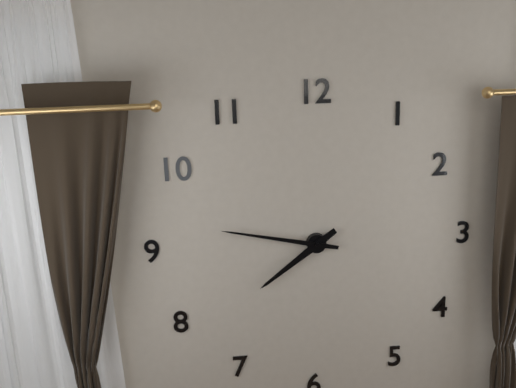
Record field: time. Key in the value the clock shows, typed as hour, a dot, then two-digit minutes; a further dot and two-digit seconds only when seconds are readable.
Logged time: 7.47
